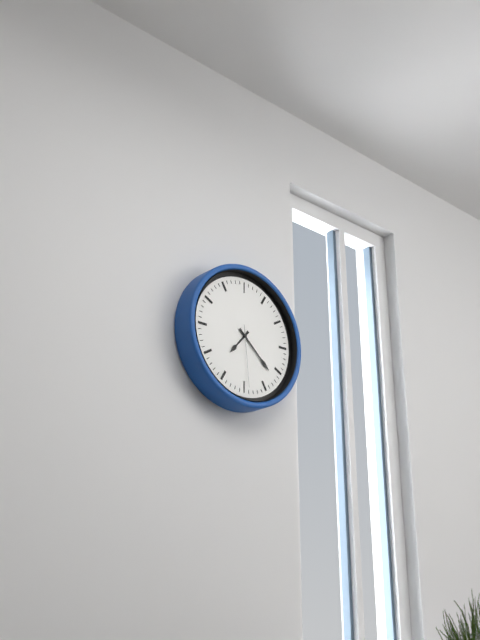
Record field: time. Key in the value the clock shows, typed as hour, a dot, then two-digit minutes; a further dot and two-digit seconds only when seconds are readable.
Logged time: 7.22.29
